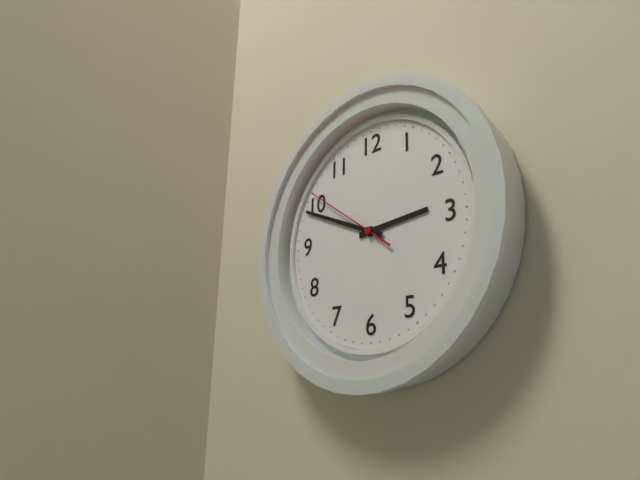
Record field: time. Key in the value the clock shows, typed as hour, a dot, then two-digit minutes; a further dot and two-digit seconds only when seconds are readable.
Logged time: 2.49.51
